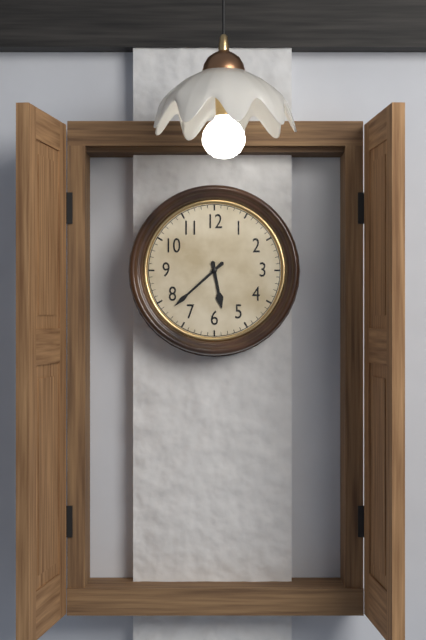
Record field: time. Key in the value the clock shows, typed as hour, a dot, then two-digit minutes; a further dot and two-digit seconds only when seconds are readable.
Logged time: 5.38
